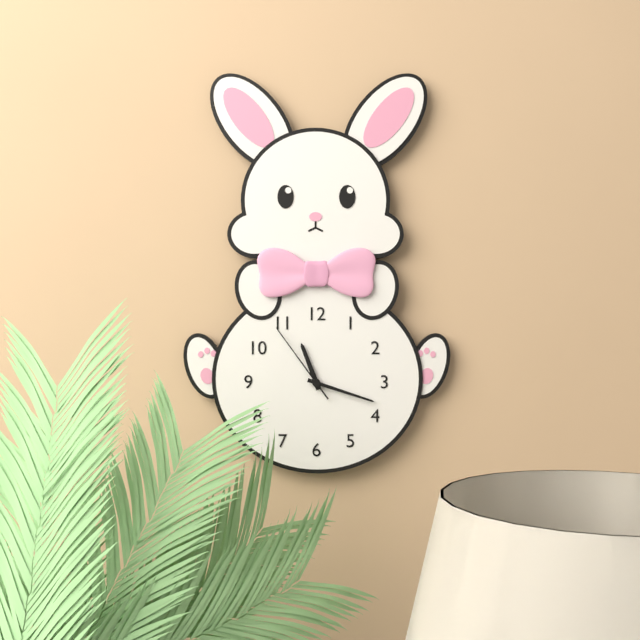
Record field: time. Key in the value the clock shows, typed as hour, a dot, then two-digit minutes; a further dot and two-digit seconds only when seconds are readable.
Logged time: 11.18.54
